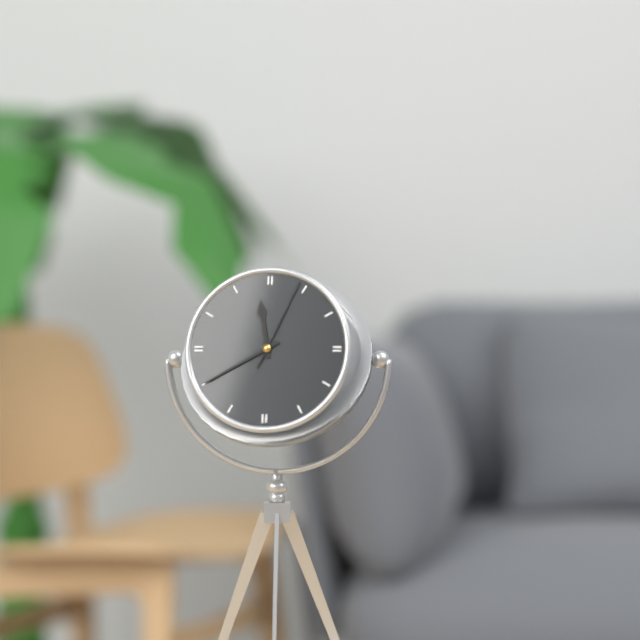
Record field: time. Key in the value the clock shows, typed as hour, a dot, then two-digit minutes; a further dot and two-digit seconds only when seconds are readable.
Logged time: 11.40.04
